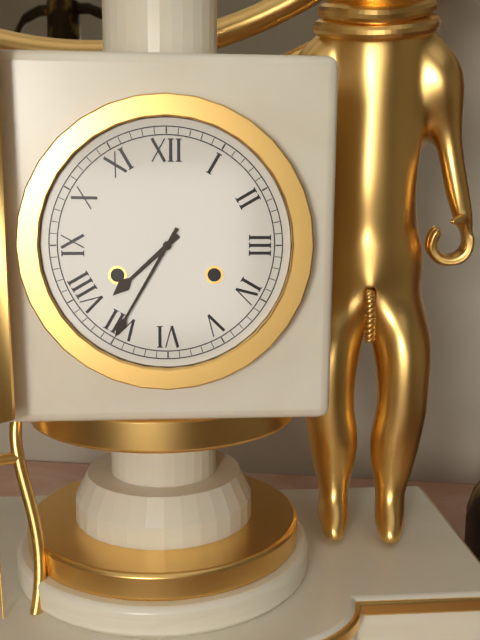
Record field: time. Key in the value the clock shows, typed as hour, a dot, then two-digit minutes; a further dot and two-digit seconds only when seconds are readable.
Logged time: 7.35
